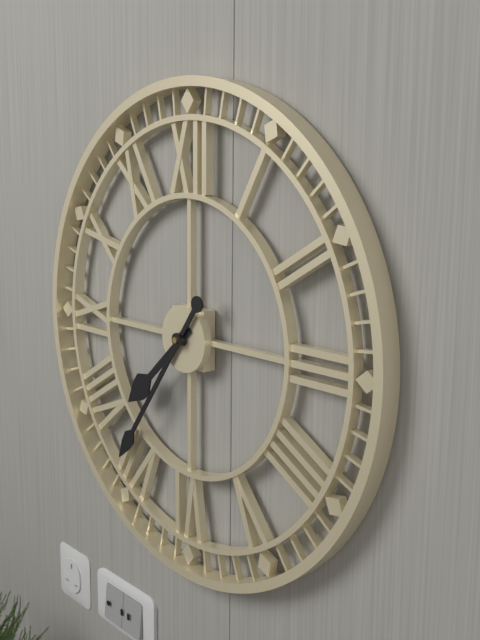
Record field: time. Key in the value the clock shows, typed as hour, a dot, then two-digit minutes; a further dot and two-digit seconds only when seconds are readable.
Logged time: 7.36
